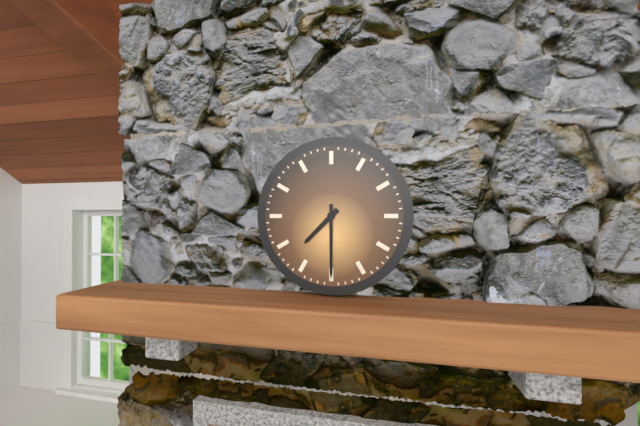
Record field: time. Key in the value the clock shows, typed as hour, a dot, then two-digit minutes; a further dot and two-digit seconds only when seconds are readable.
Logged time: 7.30
